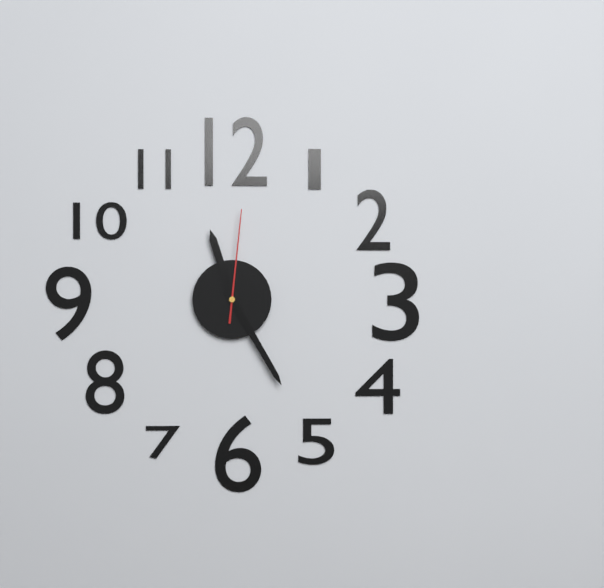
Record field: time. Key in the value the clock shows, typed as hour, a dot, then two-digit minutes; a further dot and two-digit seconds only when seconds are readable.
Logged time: 11.25.01
